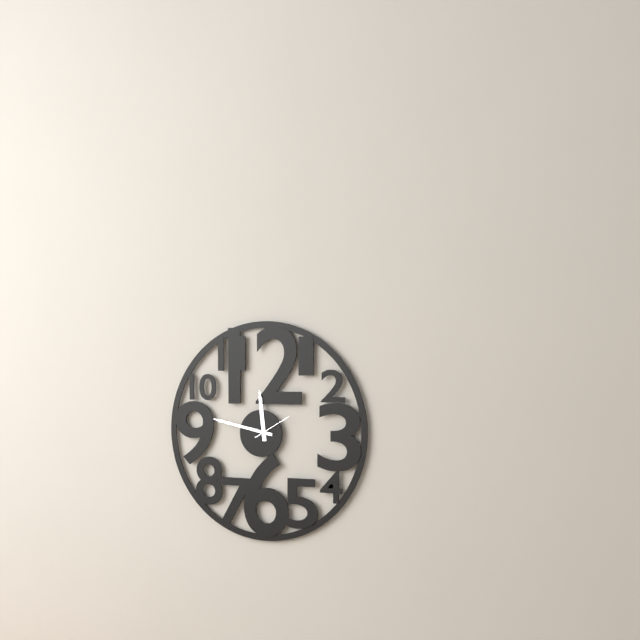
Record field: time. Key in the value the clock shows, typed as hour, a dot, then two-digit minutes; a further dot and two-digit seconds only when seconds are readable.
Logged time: 11.47
